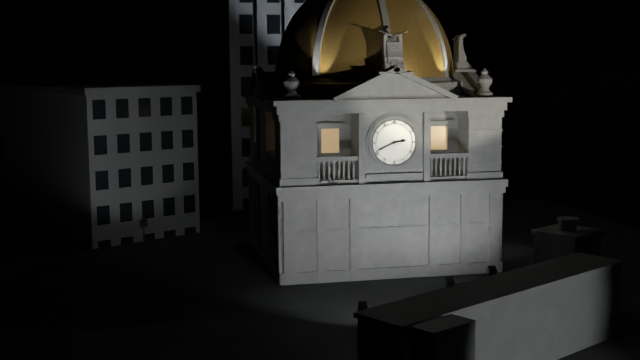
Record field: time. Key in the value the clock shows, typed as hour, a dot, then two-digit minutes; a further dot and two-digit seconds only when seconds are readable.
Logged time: 2.41
